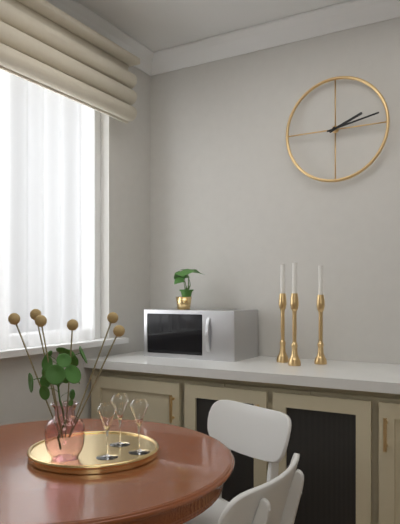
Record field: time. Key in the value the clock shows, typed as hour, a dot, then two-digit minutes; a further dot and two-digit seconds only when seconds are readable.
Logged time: 2.13
